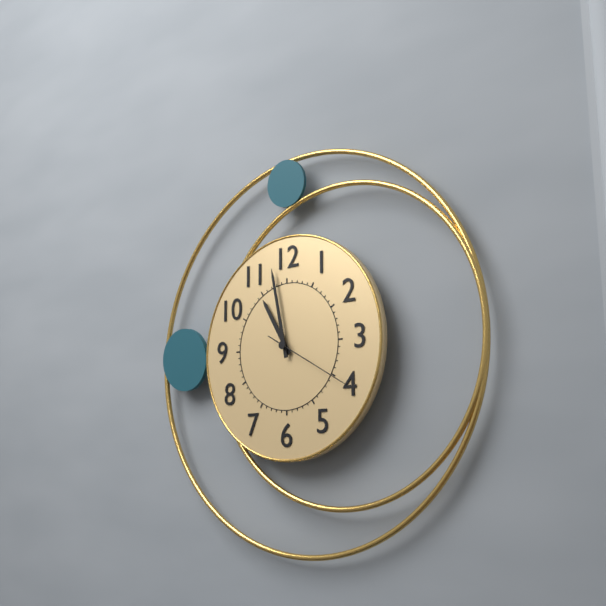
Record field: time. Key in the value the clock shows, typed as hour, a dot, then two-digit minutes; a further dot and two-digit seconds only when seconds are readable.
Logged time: 10.58.20
